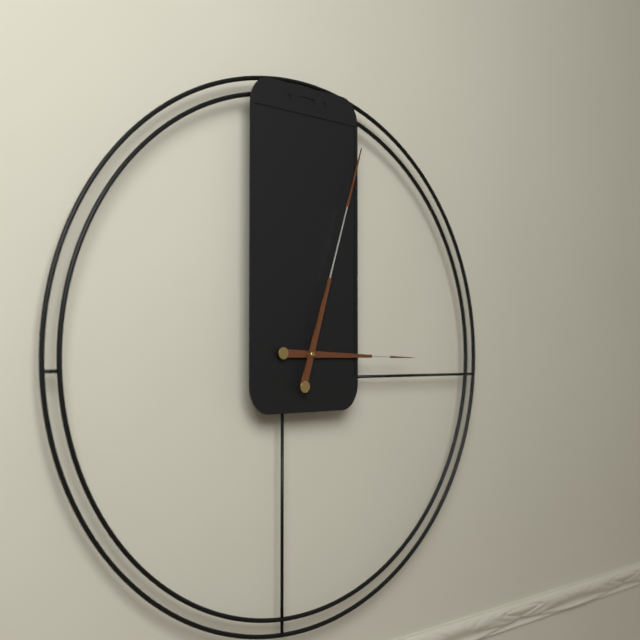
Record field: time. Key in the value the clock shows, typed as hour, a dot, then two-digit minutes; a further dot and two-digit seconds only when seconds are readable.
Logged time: 3.03
